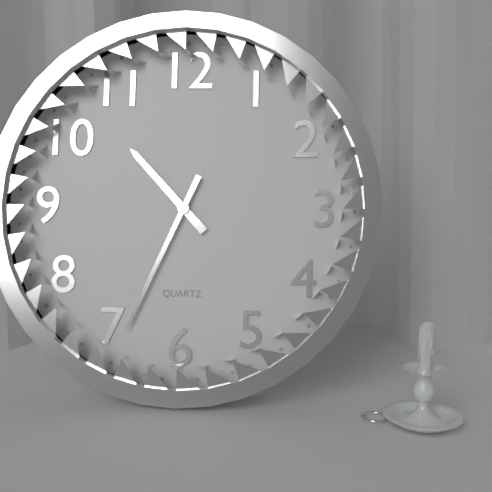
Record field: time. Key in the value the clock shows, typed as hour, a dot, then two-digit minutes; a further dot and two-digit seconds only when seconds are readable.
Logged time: 10.34
